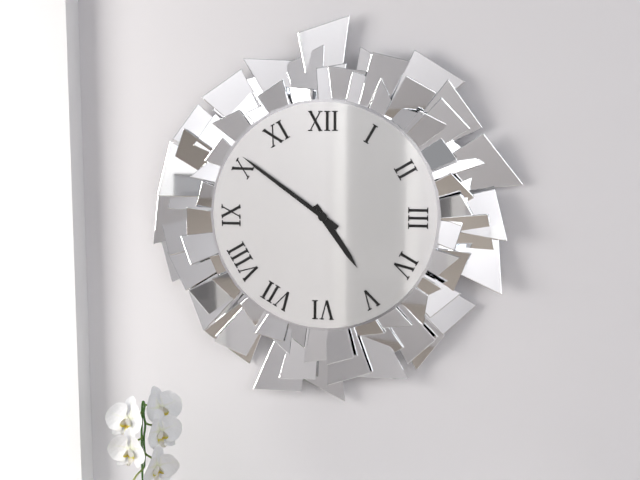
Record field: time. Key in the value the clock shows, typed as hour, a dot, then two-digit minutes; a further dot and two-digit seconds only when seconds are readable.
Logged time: 4.51
